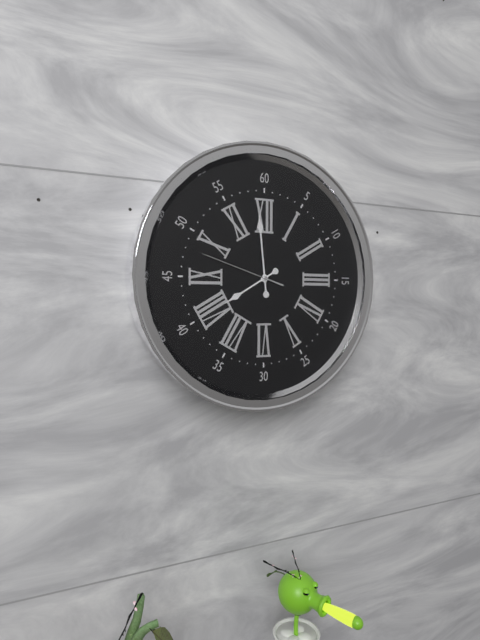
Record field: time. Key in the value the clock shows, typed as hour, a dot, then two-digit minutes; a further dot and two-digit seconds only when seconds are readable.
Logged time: 7.59.48
